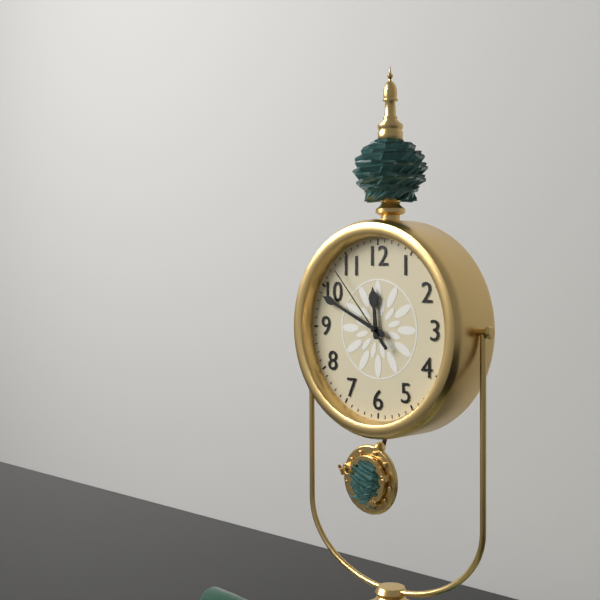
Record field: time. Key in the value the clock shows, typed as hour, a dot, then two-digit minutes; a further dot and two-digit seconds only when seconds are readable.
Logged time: 11.49.53
